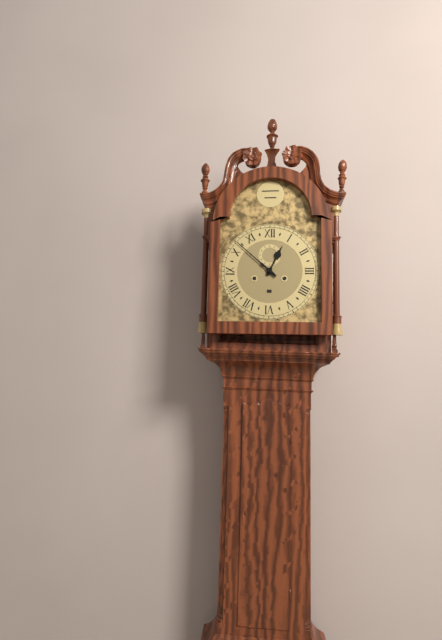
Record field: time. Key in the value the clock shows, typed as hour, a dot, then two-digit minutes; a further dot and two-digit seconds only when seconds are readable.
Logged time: 12.52
